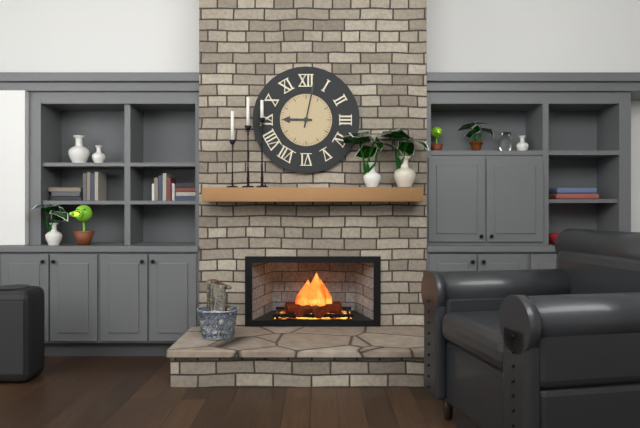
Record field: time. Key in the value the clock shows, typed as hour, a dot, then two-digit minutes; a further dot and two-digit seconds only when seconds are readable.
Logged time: 9.02
